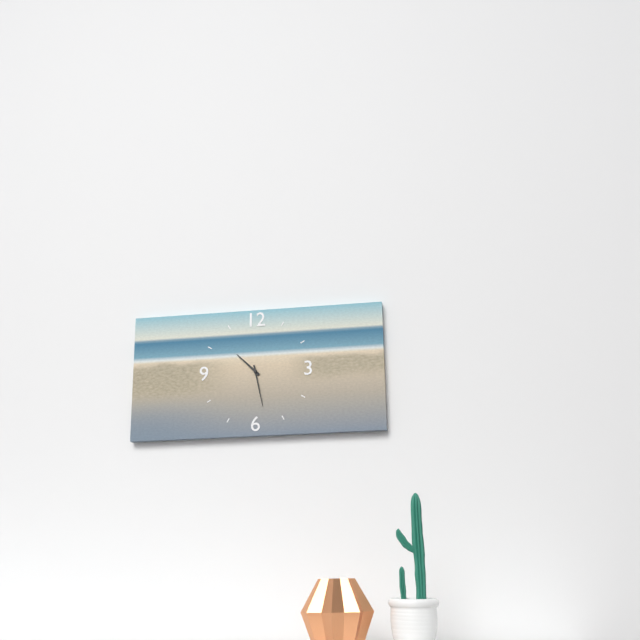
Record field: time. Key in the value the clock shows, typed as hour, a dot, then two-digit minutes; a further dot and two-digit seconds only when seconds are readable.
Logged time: 10.28
